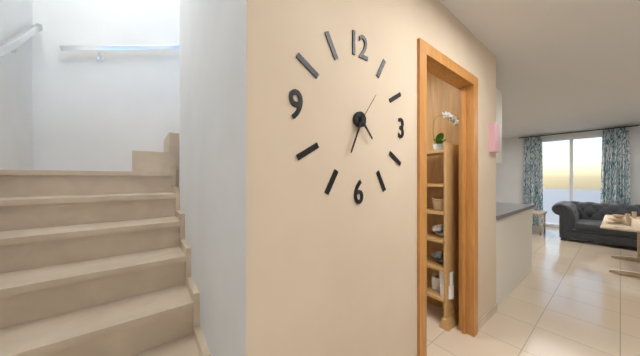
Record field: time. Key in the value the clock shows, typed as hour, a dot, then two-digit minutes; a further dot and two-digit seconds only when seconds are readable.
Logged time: 4.34
